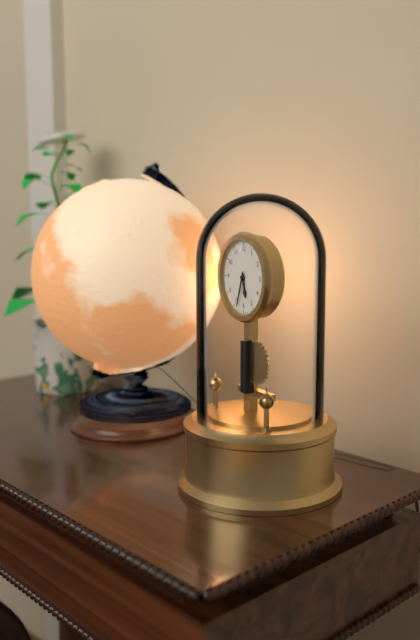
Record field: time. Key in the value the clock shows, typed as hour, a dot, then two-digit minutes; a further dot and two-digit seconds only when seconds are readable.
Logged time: 5.33
